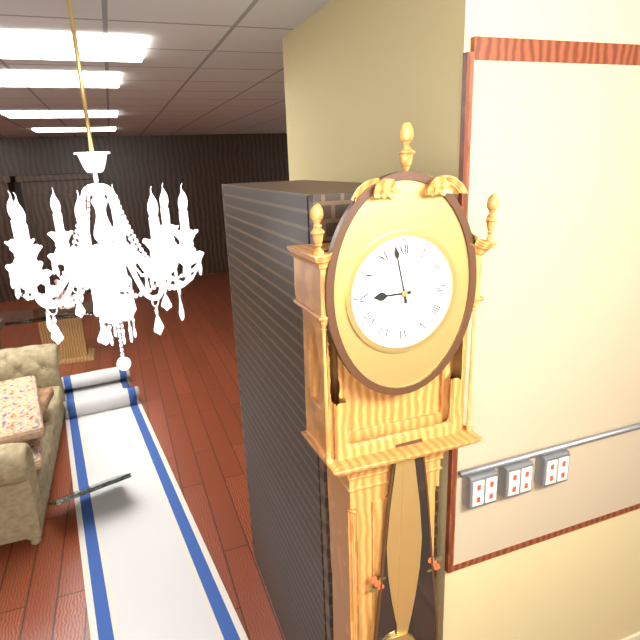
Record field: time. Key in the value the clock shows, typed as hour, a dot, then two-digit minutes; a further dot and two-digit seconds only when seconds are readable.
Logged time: 8.58
